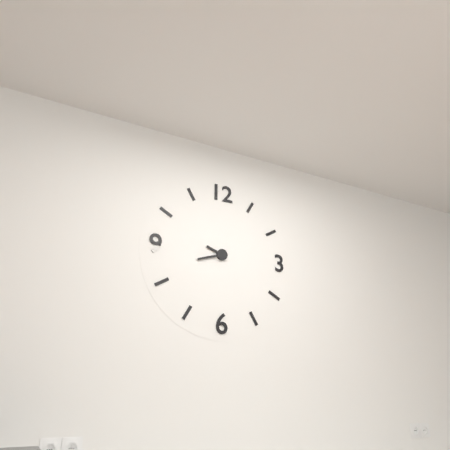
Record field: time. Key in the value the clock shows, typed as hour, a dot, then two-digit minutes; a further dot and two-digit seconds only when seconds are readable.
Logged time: 9.42
